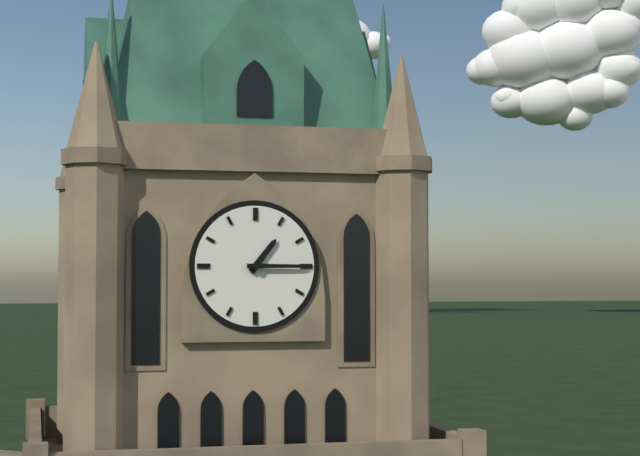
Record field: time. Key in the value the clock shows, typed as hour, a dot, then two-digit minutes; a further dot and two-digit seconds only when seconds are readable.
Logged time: 1.15
